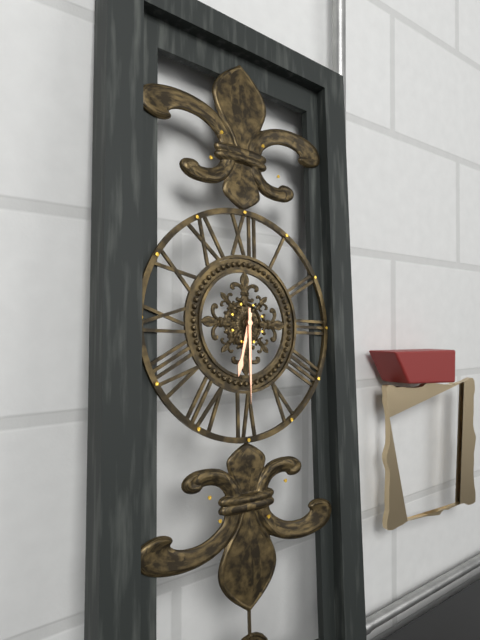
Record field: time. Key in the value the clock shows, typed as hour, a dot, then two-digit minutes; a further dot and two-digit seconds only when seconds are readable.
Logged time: 6.30
